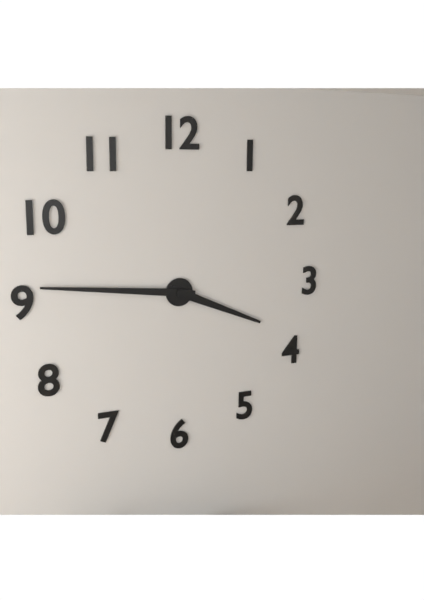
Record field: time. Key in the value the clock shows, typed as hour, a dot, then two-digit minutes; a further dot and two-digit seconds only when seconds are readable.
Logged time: 3.46
